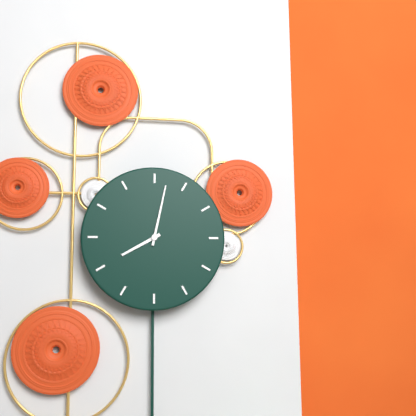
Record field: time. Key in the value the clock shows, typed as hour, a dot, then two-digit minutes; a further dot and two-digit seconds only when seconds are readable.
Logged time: 8.02
